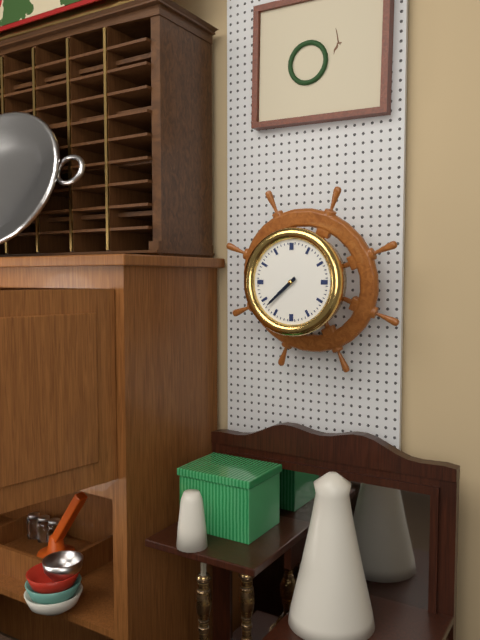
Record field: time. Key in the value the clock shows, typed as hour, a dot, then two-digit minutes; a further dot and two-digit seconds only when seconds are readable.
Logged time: 7.38
